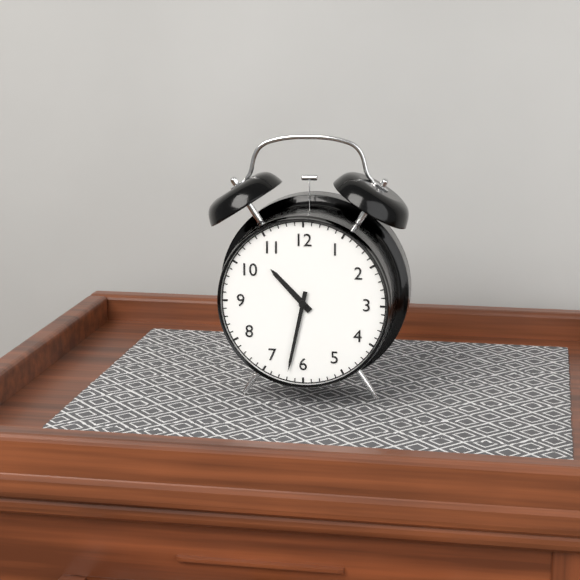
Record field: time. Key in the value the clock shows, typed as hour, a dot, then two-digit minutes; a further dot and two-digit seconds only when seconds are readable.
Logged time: 10.32
